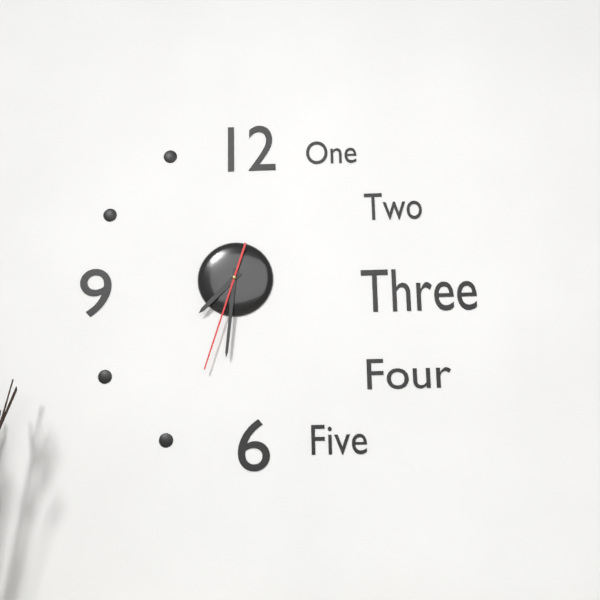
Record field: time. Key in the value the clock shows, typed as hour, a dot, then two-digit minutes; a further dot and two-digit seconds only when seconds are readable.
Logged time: 7.31.33
